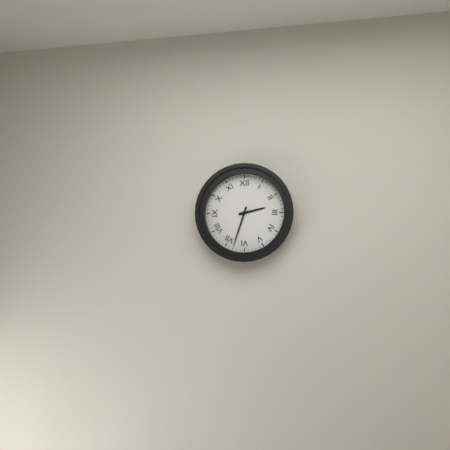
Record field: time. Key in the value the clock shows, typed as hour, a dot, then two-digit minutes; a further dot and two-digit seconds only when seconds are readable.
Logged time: 2.33
